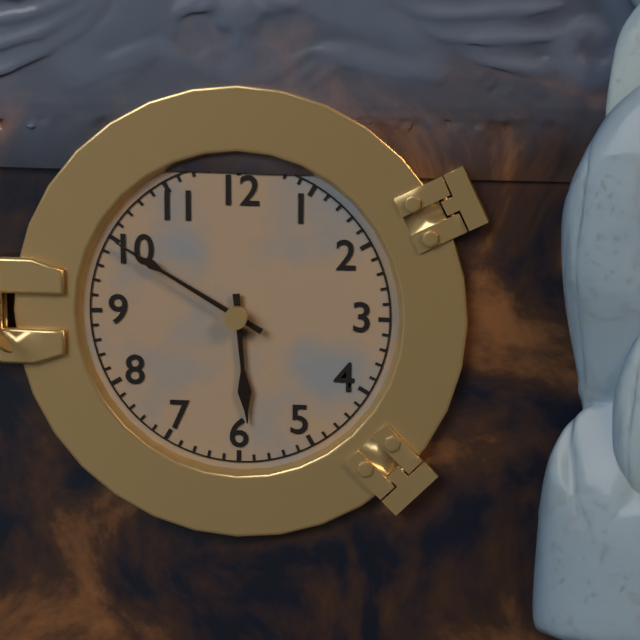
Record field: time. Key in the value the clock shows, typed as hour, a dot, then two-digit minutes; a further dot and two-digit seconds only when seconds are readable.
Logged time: 5.50
